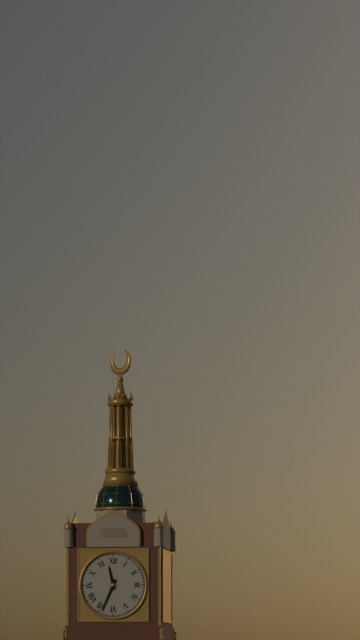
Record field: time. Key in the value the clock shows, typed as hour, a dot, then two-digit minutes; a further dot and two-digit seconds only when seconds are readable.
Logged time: 11.34
